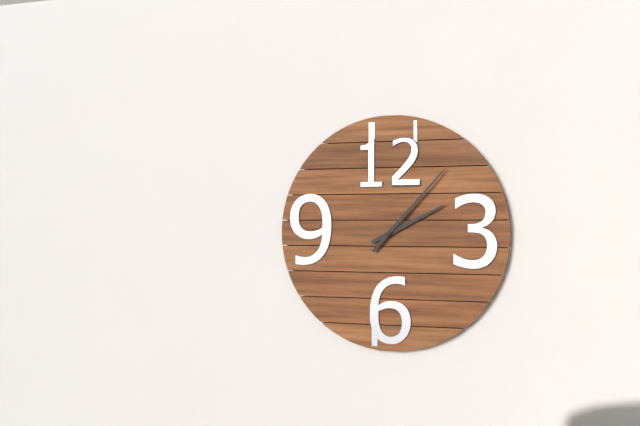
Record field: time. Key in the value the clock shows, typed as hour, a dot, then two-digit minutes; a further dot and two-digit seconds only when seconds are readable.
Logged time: 2.07
